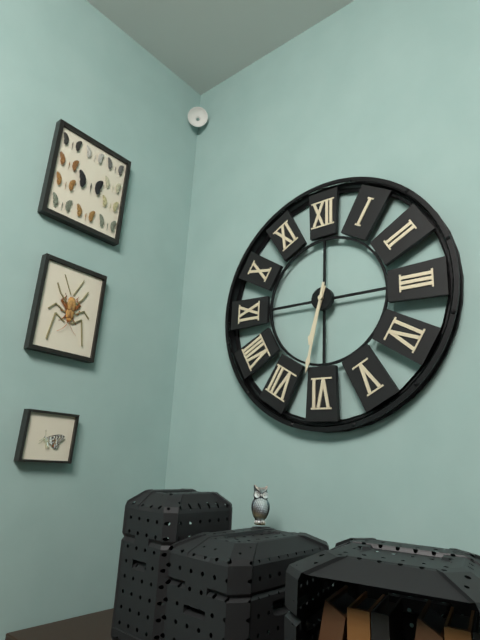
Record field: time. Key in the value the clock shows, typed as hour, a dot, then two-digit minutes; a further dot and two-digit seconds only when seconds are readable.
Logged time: 6.32
